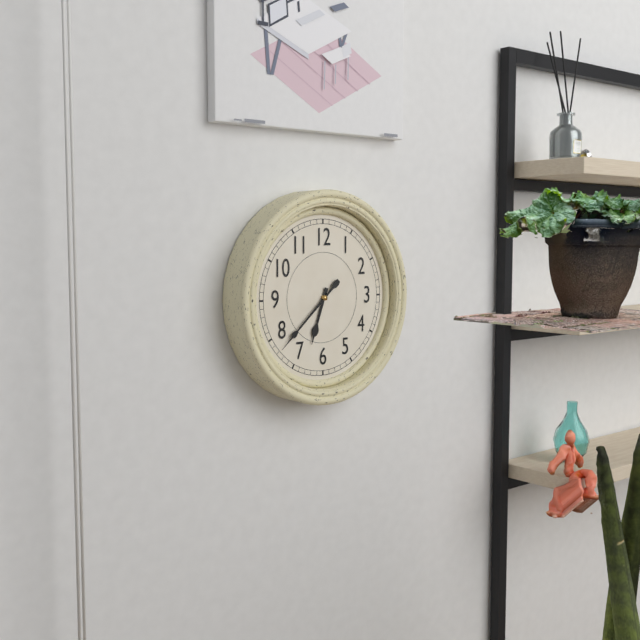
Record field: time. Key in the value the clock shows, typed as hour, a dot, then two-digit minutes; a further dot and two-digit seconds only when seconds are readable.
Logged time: 6.38
